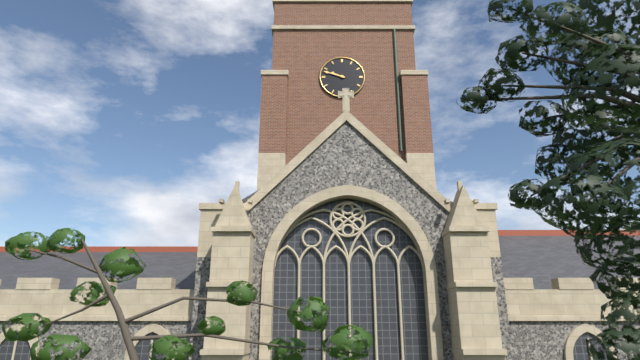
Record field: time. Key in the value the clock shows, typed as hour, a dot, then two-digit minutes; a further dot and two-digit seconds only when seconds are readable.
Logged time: 9.48
